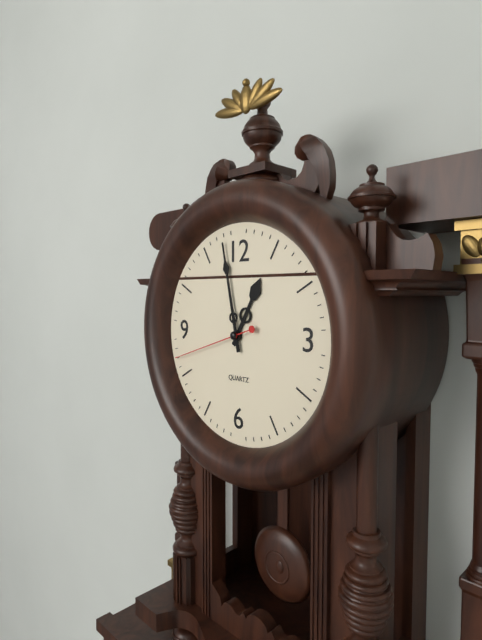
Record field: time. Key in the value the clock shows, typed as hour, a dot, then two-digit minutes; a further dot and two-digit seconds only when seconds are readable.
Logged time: 12.58.42
